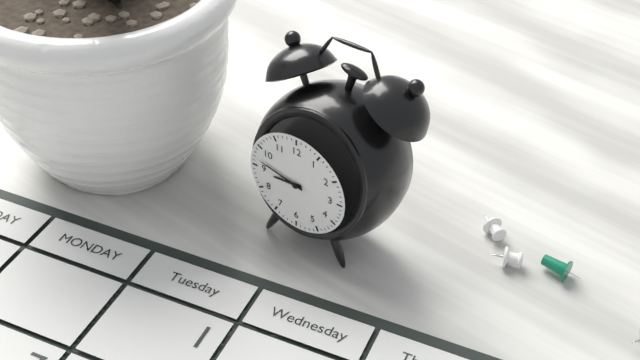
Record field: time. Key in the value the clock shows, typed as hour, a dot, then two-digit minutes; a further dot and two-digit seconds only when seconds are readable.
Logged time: 8.47
